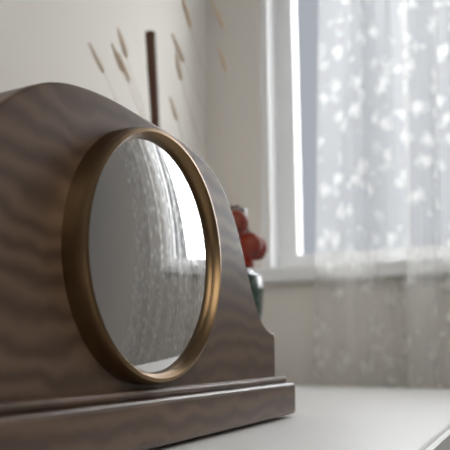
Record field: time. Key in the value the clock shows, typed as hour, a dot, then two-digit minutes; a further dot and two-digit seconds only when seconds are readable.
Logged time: 12.34
